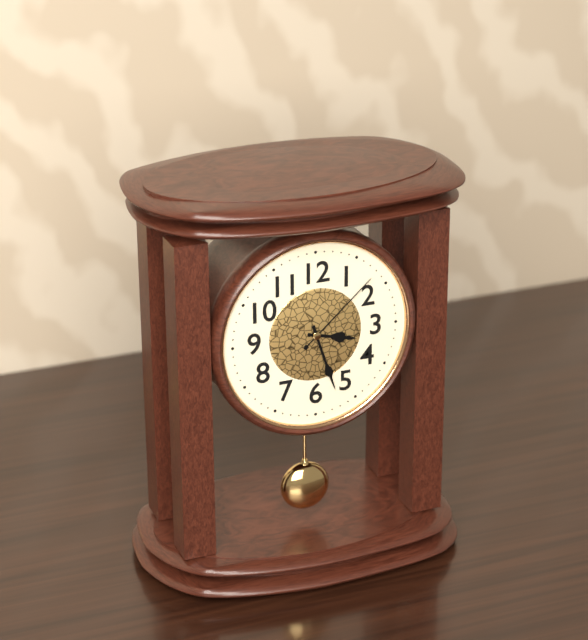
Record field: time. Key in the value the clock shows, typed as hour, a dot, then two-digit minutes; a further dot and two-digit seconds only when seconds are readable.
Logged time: 3.27.08
